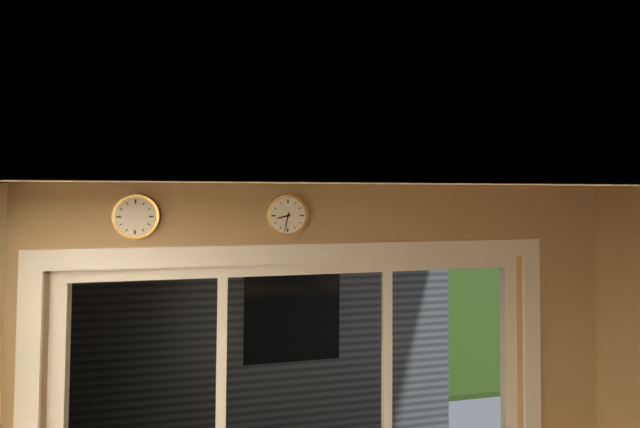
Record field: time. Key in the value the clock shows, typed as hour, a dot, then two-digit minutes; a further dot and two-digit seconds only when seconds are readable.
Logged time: 8.32
